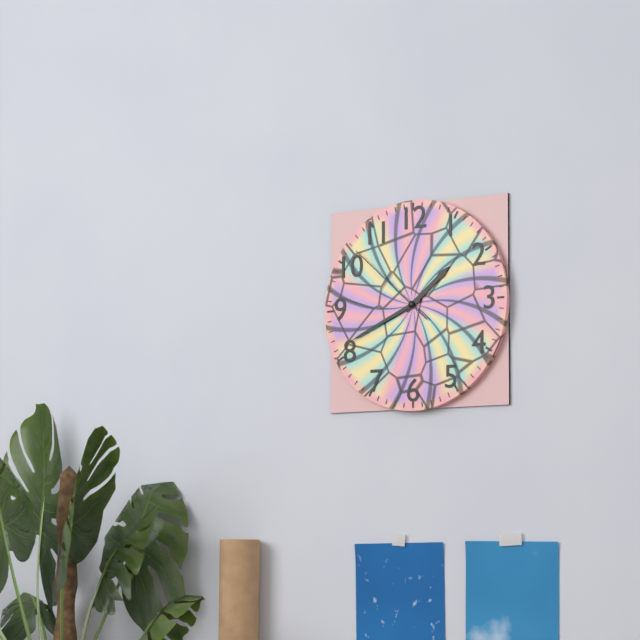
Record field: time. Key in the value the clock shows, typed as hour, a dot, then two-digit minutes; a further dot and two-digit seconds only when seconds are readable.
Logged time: 1.41.52
